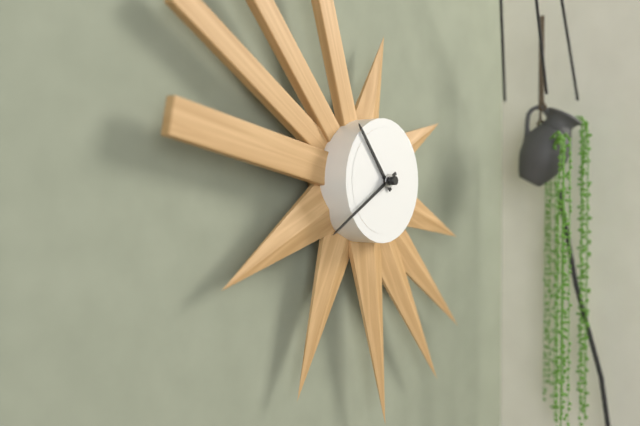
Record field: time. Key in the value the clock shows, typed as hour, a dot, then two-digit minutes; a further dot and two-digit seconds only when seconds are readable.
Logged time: 10.40
